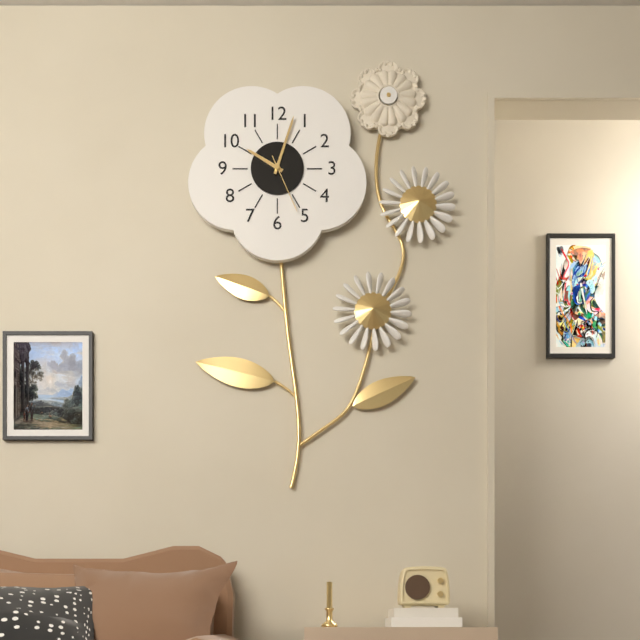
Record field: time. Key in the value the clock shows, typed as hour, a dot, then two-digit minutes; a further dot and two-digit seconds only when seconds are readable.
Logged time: 10.03.26
